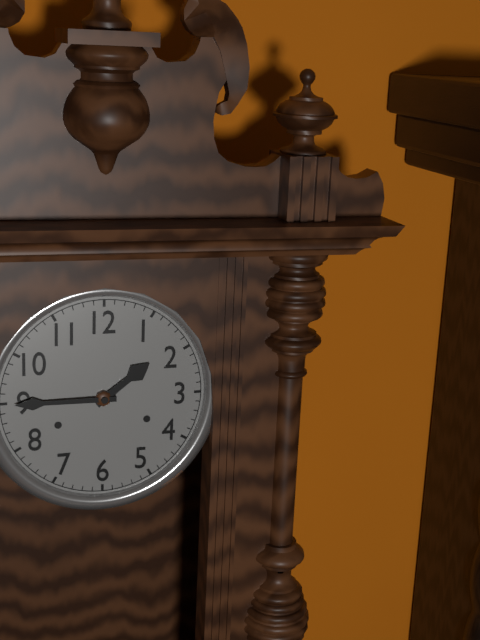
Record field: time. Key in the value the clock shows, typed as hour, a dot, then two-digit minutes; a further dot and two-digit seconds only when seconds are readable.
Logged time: 1.45
